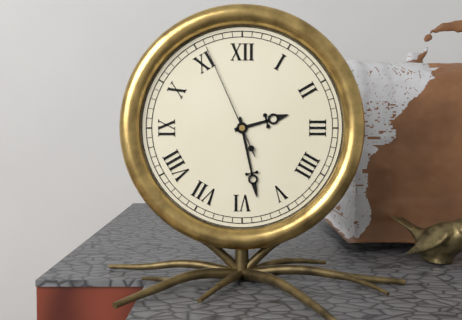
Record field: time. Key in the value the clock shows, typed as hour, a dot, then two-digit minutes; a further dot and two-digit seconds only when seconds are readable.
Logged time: 2.28.56
